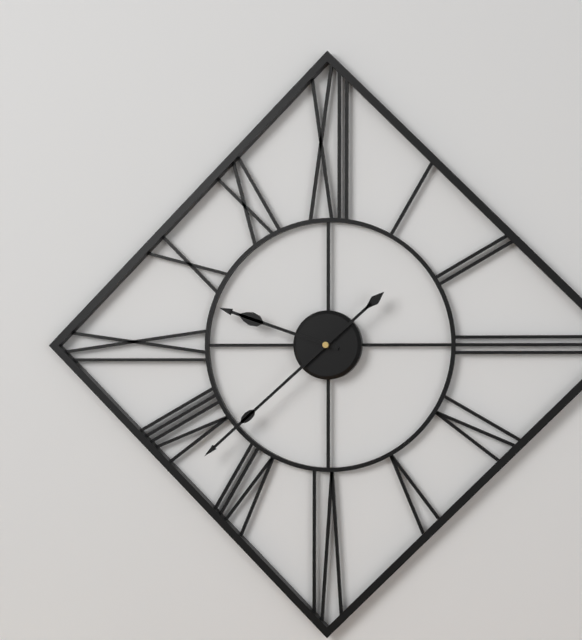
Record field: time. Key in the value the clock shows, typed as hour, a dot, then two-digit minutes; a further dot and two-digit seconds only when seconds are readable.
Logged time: 9.38
